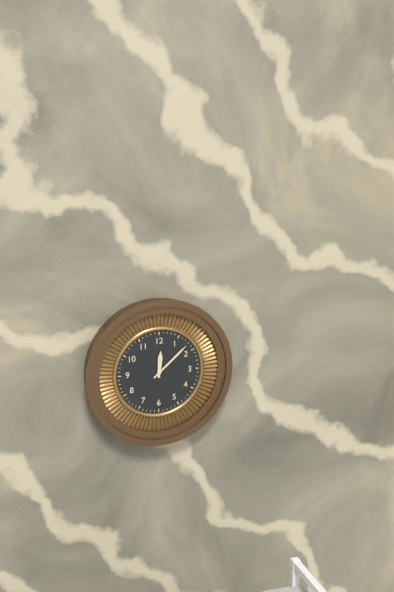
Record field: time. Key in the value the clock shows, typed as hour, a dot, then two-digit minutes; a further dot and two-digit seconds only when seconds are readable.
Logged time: 12.08
